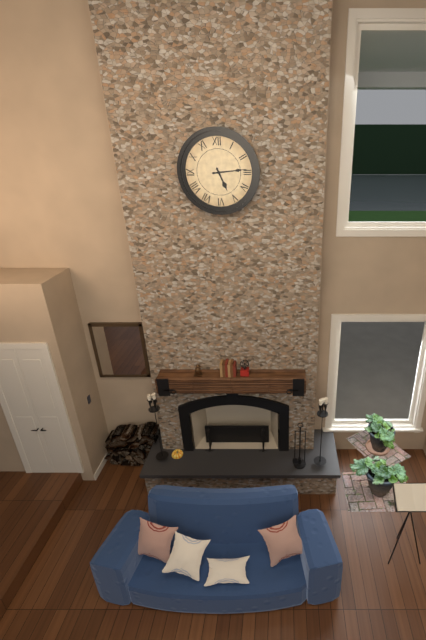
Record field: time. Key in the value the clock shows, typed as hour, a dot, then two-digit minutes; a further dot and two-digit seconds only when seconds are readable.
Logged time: 5.14
